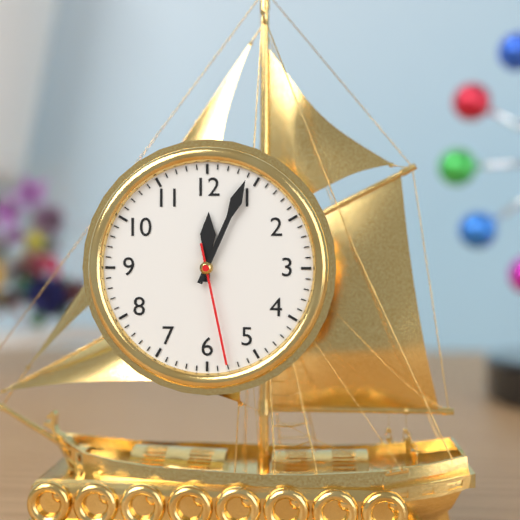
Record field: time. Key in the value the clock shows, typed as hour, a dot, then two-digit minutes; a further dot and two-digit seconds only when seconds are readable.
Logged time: 12.04.28
